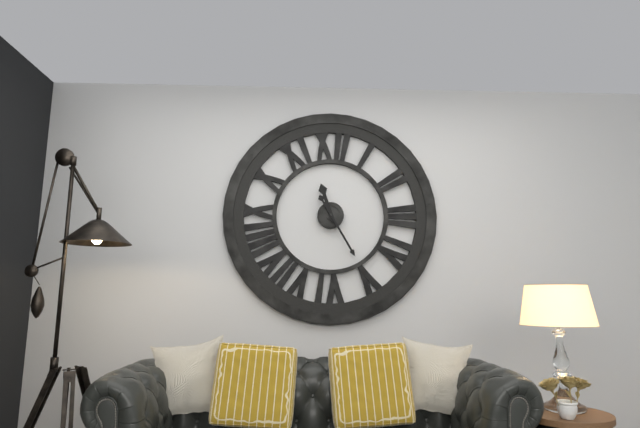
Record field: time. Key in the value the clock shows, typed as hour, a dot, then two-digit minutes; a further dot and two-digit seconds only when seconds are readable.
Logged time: 11.25
